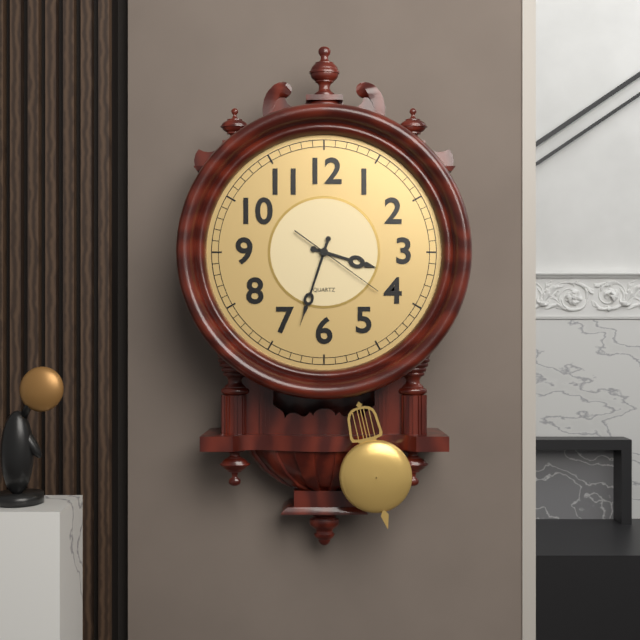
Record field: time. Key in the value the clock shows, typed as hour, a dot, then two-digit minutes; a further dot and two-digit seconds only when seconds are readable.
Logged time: 3.33.21
